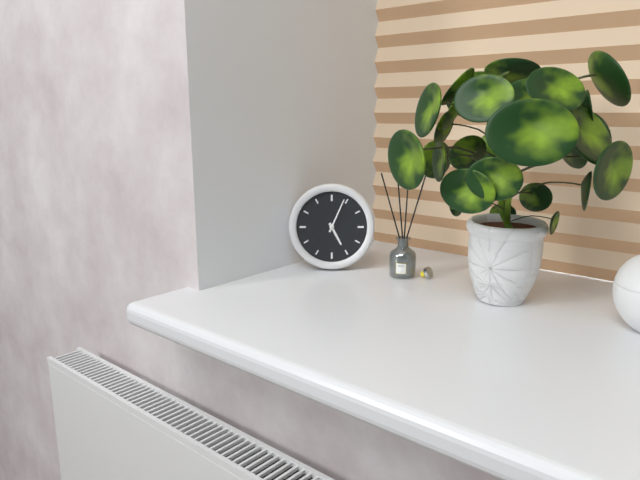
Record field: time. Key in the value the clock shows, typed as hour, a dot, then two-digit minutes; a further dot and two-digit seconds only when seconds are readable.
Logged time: 5.04
